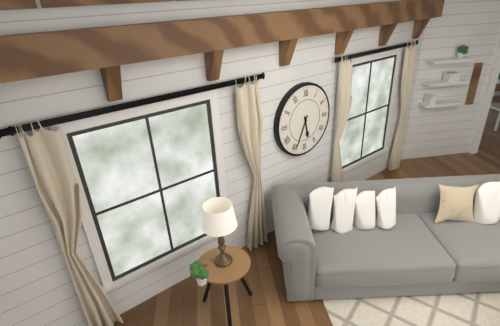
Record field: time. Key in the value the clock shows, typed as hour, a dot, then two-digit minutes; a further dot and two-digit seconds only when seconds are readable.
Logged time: 5.34
